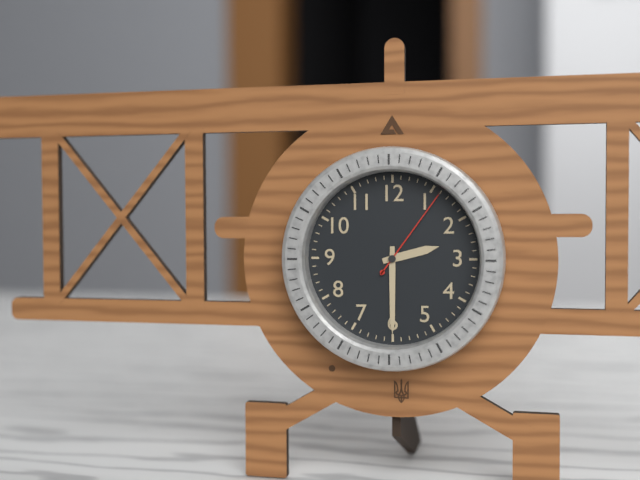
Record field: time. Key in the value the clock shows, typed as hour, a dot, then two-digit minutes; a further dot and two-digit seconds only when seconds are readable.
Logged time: 2.30.06
